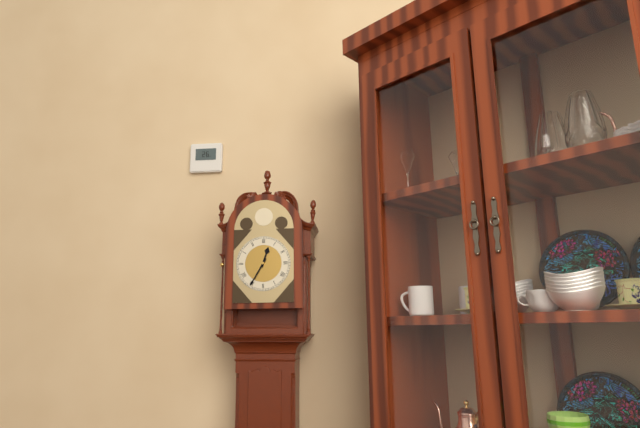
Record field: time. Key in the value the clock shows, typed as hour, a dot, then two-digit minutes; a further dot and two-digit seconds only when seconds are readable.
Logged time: 12.35
